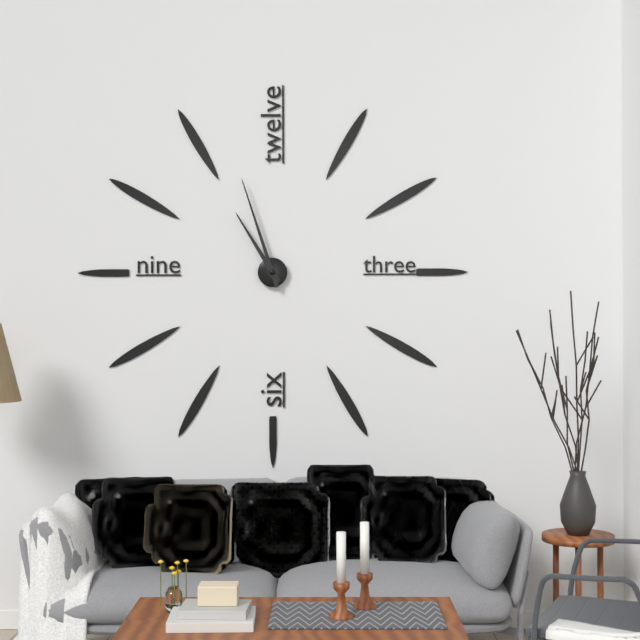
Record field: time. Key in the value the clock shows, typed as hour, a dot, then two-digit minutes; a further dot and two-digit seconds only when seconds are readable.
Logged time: 10.57
